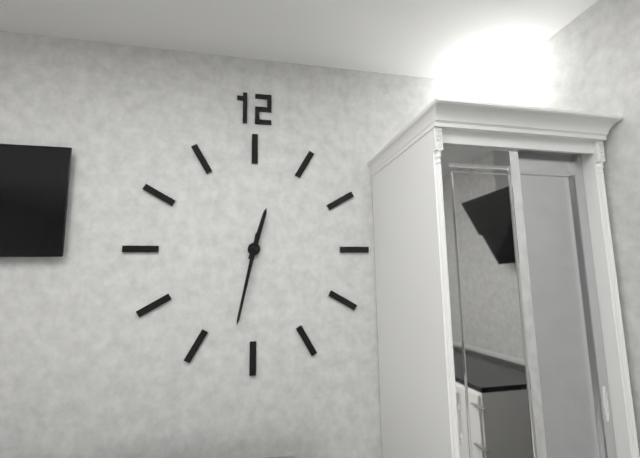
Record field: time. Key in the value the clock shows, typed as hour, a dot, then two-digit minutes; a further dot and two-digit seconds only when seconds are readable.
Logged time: 12.32
